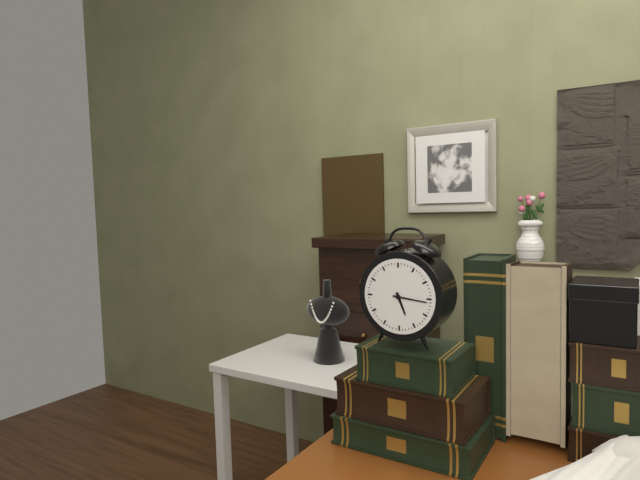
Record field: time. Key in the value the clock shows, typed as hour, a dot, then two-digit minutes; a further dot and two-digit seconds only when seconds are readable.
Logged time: 5.16
